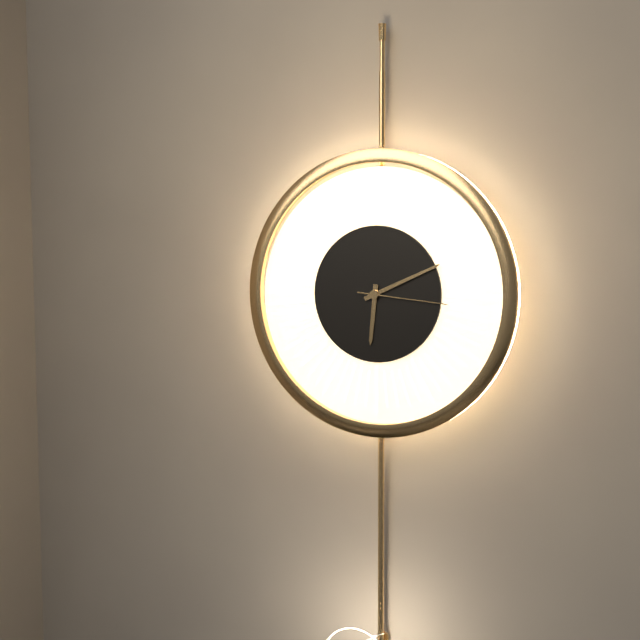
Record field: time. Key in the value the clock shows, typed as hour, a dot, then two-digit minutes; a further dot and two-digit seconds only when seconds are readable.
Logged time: 6.11.16
